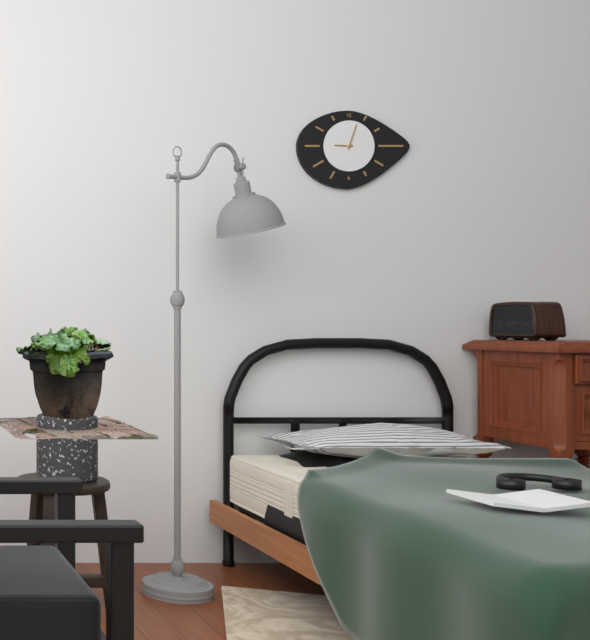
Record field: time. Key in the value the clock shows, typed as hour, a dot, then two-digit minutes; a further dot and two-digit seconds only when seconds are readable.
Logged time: 9.03
